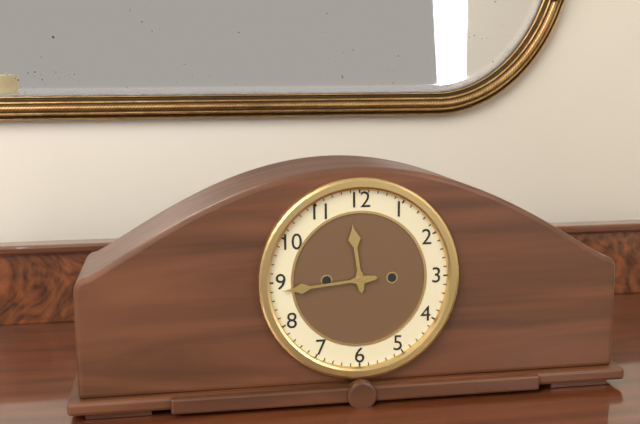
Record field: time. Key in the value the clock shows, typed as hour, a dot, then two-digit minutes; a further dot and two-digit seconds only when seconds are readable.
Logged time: 11.44
